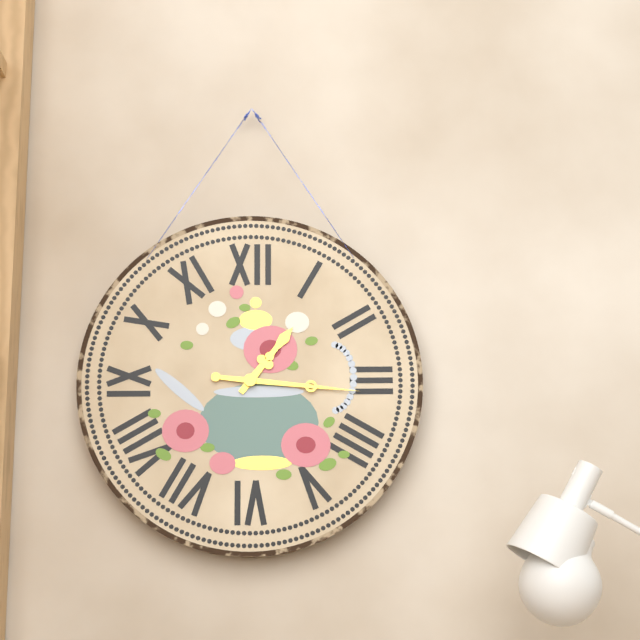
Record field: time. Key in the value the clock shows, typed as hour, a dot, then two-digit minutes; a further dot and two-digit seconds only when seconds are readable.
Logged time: 1.16
